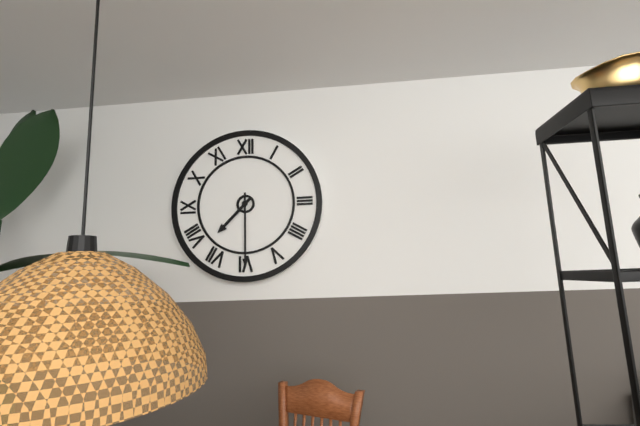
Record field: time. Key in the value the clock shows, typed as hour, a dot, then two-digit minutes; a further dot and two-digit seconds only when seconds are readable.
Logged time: 7.30
